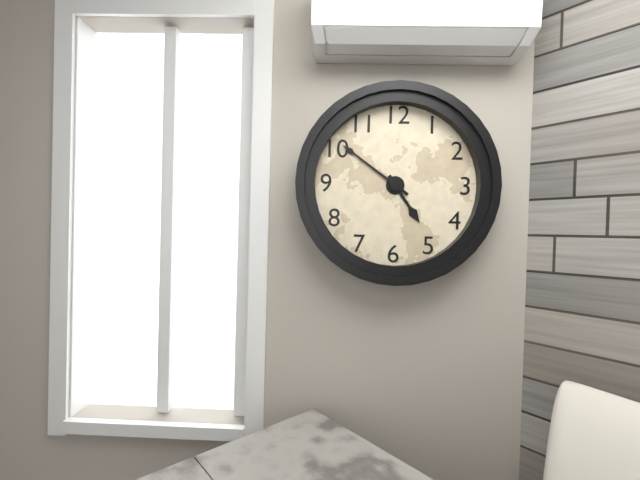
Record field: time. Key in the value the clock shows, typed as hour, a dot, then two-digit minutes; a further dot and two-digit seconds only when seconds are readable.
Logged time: 4.51
